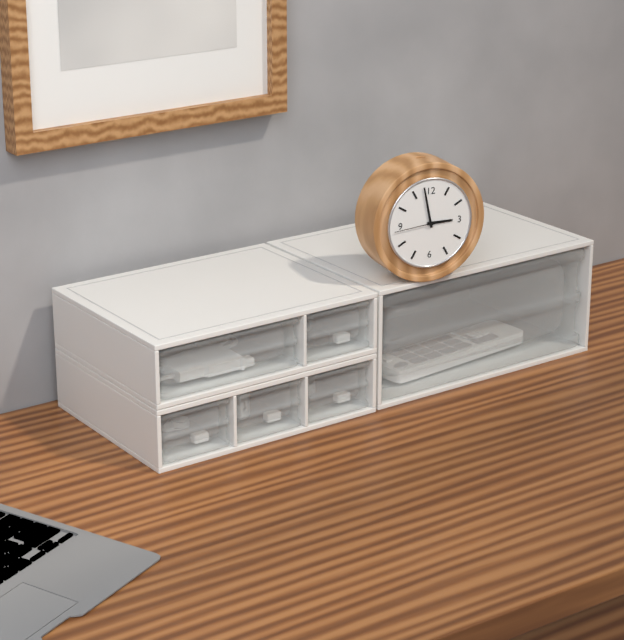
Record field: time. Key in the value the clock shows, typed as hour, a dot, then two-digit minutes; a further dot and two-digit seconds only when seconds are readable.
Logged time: 2.58
